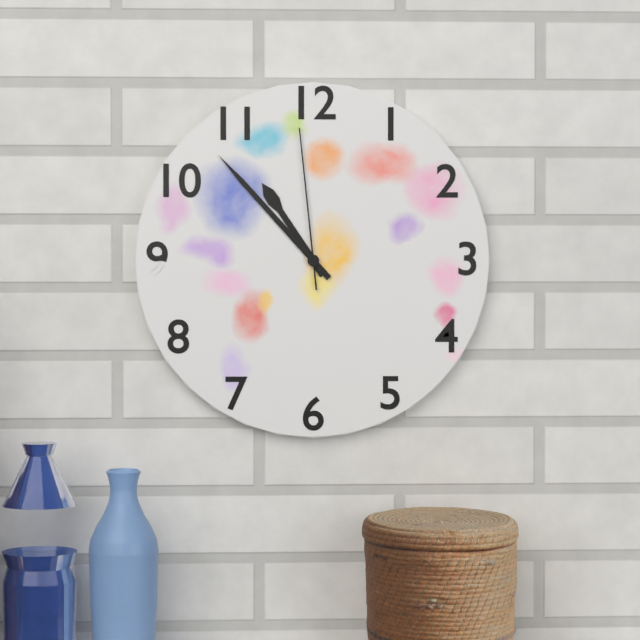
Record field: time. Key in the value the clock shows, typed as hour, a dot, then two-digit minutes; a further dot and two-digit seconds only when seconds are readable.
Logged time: 10.53.59
